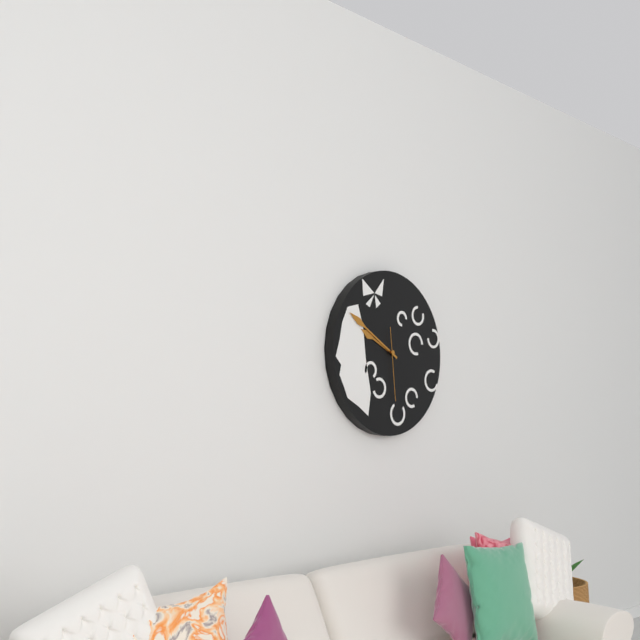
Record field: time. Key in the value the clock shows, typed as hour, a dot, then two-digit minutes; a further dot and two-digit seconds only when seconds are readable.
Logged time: 9.50.29
